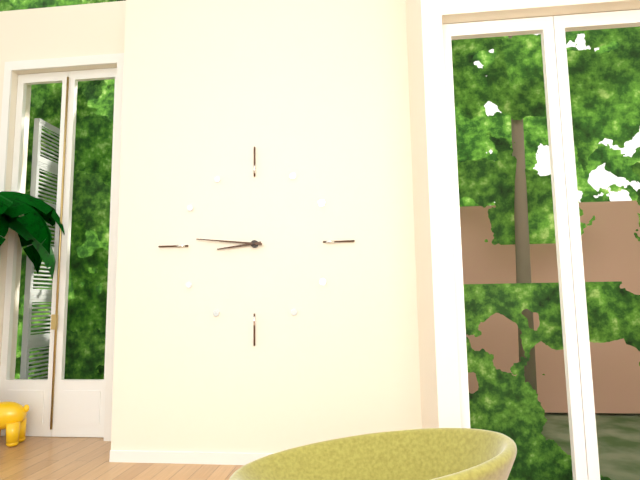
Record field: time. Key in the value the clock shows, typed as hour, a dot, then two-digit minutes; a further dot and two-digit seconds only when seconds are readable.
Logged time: 8.46
